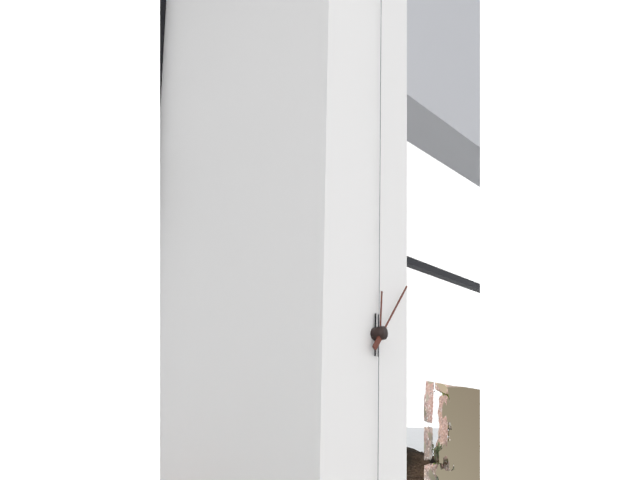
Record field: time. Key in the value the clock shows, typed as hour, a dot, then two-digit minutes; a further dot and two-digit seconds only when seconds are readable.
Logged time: 12.06
